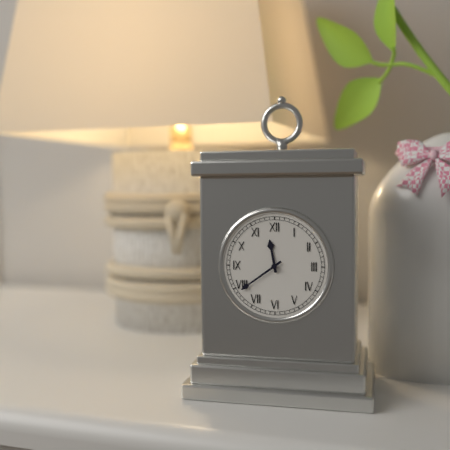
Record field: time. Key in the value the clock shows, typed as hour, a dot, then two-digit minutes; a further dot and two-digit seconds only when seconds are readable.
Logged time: 11.39
